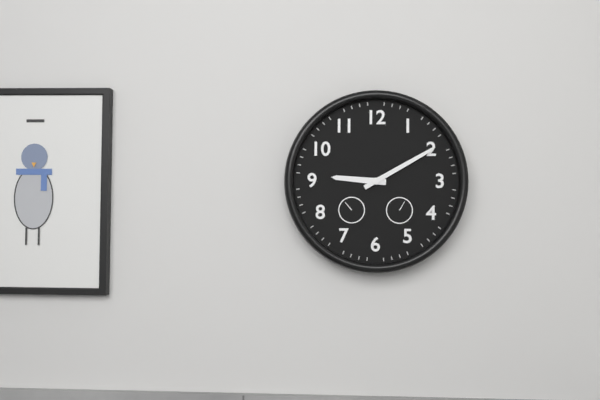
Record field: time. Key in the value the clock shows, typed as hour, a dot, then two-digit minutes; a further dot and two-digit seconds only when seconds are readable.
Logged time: 9.10
